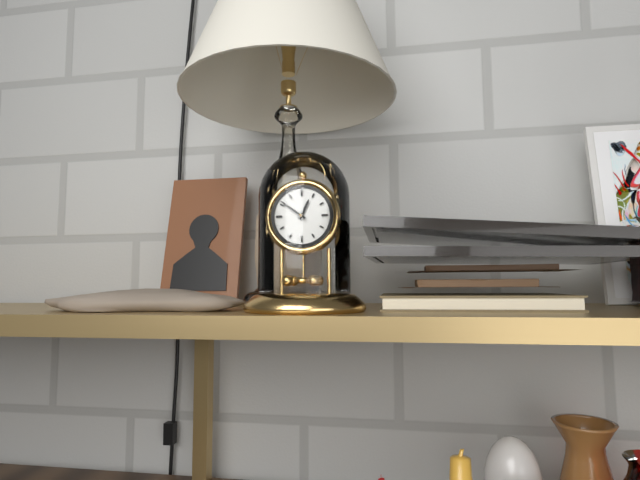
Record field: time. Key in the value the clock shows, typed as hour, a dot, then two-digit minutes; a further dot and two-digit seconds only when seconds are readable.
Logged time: 12.51
